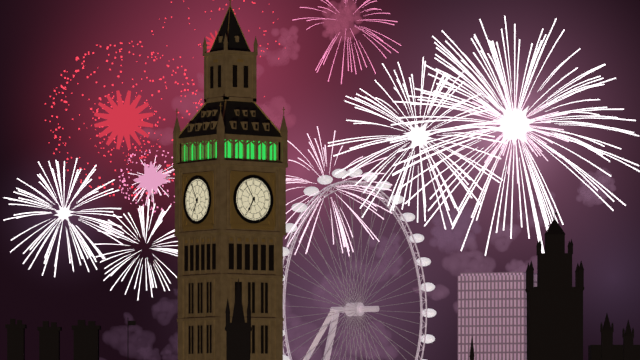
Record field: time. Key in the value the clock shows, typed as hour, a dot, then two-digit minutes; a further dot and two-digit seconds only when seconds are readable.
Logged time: 6.55
